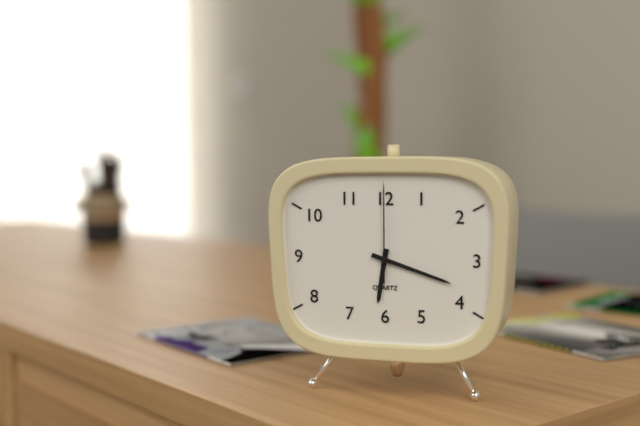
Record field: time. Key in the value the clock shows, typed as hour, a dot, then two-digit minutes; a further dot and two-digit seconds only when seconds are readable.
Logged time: 6.18.00
